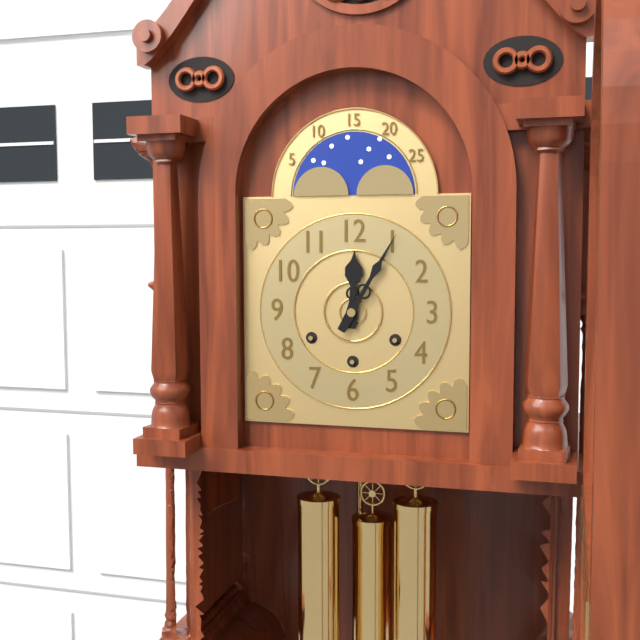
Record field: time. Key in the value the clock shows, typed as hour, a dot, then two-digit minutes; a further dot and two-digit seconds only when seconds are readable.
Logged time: 12.05
